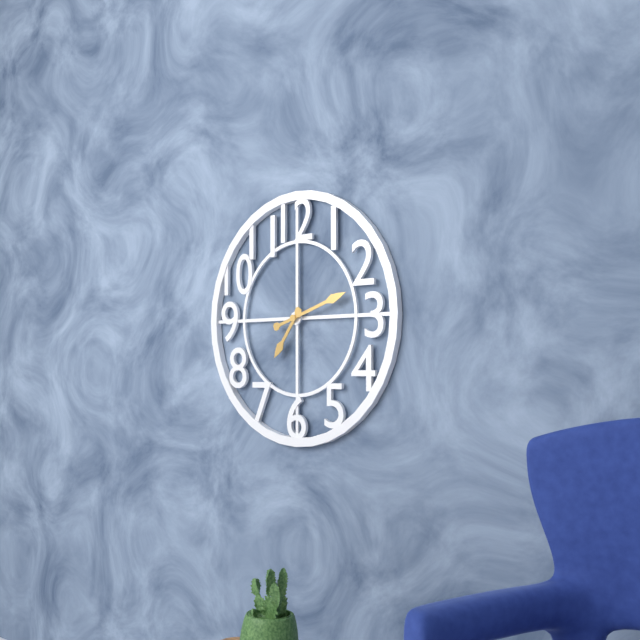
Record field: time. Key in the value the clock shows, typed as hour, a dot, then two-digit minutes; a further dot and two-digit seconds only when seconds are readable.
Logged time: 7.12
